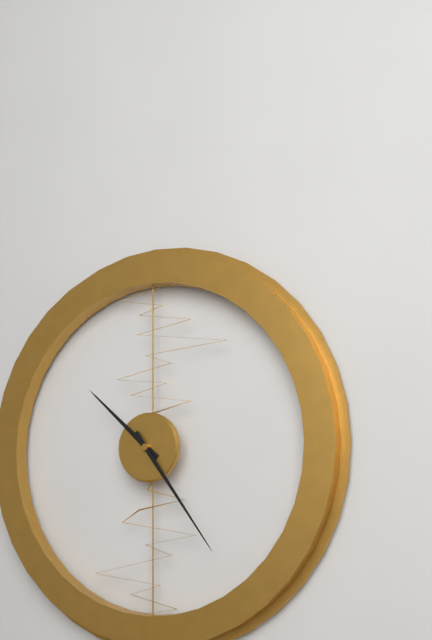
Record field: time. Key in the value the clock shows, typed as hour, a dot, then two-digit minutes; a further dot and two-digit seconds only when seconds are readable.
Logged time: 10.24
